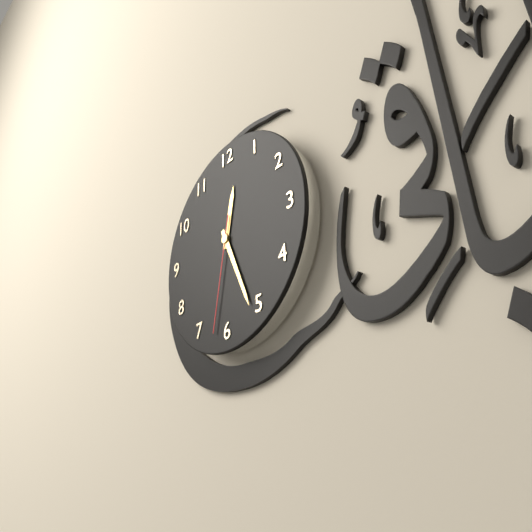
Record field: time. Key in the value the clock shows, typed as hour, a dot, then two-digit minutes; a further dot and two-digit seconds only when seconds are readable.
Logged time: 12.26.32
